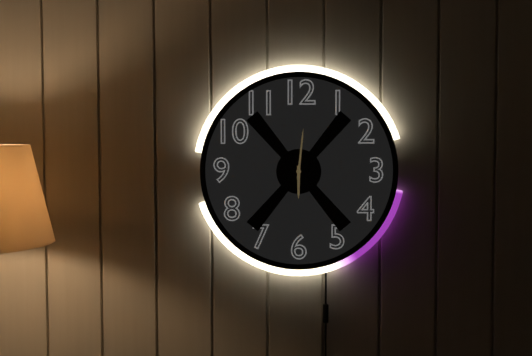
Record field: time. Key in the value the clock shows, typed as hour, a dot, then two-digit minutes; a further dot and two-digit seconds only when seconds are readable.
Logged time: 6.01
